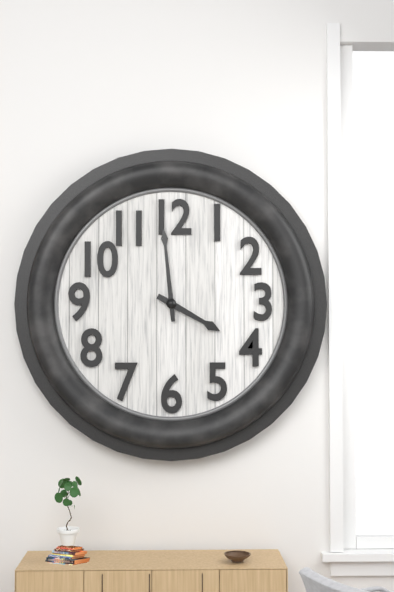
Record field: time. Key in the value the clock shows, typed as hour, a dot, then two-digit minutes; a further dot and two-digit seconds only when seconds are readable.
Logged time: 3.59
